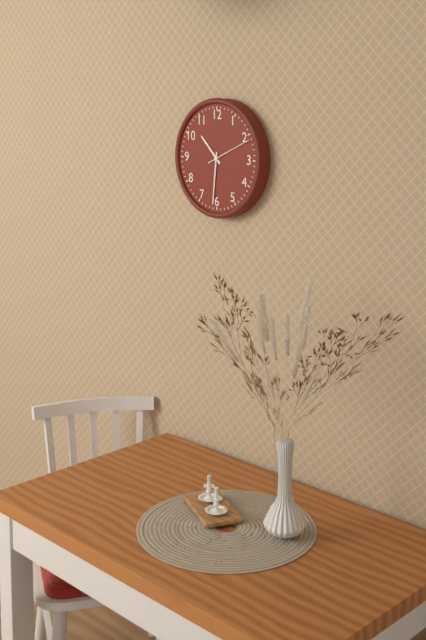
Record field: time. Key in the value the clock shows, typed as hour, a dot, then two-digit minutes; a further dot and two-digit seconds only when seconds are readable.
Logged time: 10.31
